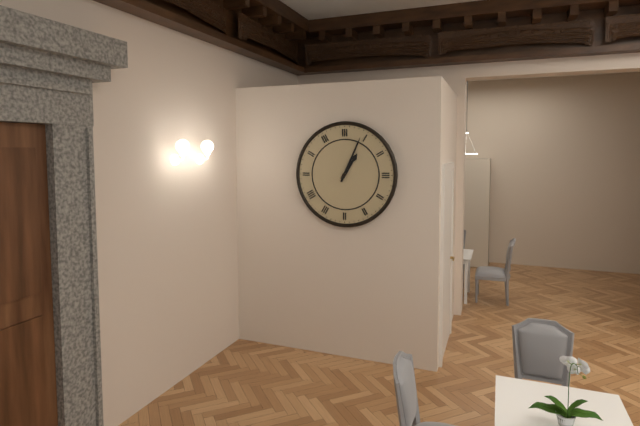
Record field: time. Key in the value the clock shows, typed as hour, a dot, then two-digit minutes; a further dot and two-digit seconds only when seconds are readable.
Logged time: 1.04
